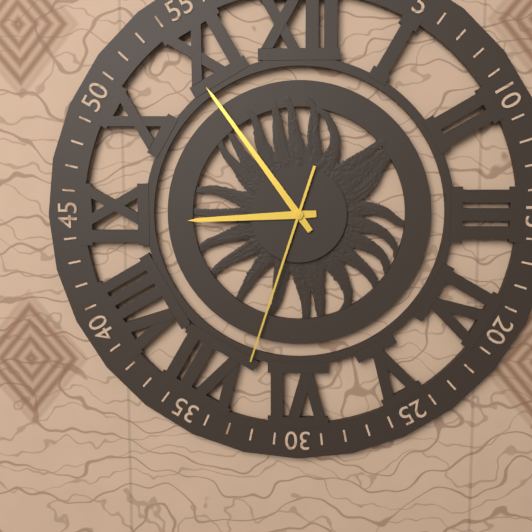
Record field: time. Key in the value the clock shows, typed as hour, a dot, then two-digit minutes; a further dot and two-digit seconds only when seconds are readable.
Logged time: 8.54.33
